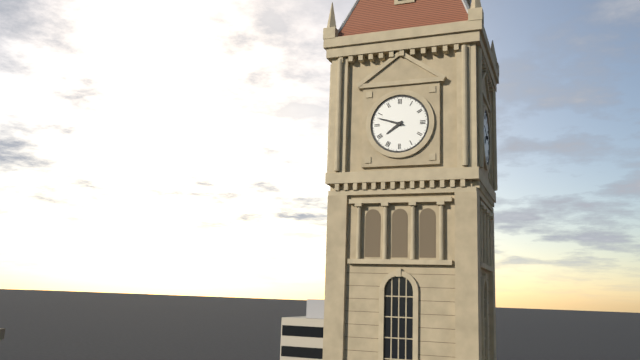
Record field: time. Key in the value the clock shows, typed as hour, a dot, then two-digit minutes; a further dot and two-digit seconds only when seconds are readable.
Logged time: 7.48
